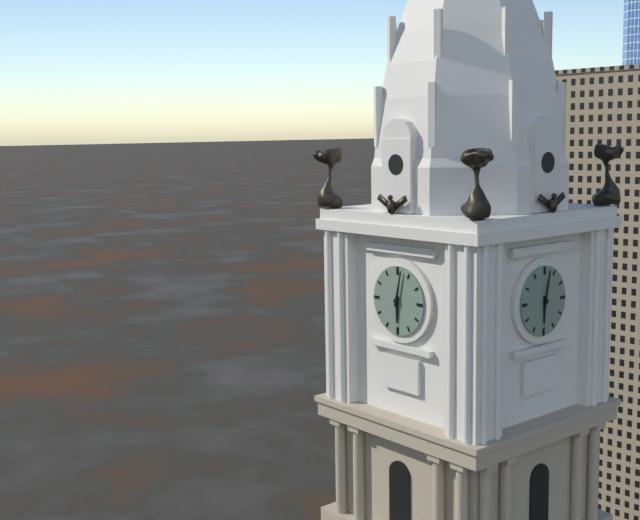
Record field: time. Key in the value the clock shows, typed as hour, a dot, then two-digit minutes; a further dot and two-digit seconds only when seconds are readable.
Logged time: 6.02
